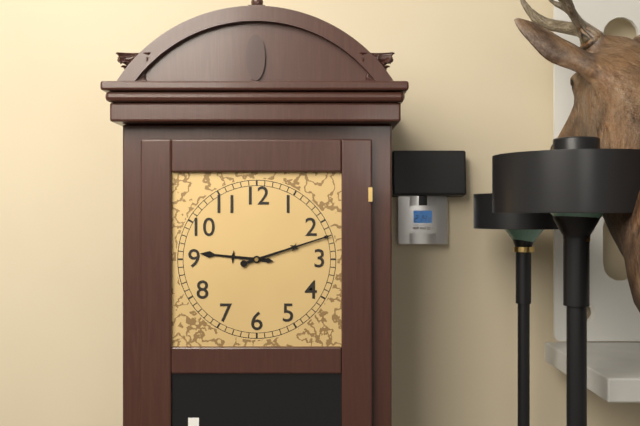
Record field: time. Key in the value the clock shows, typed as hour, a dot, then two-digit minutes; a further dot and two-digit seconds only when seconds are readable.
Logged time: 9.12
